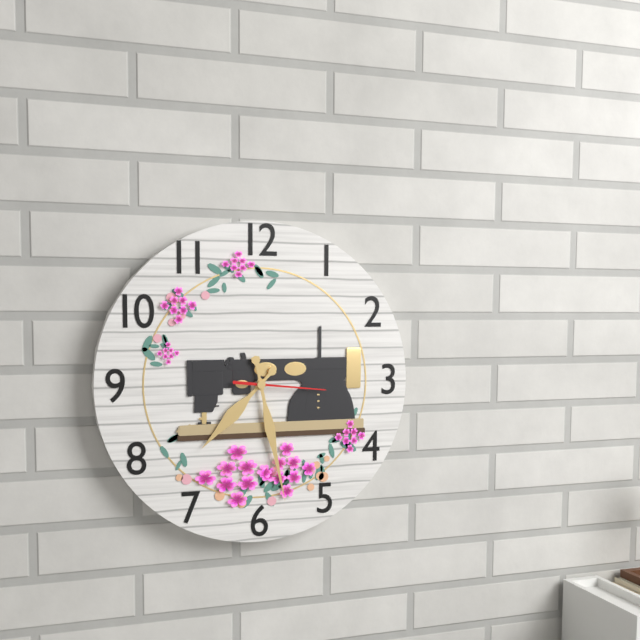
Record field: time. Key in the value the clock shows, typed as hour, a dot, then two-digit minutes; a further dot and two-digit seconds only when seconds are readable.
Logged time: 7.28.16
